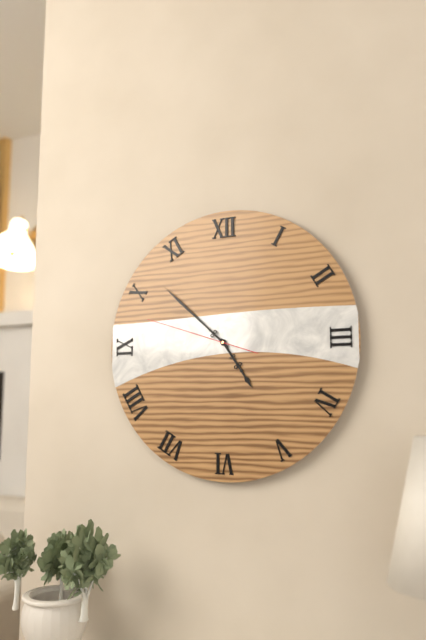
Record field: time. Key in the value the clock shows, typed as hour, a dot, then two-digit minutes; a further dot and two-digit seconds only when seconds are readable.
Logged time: 4.52.48
